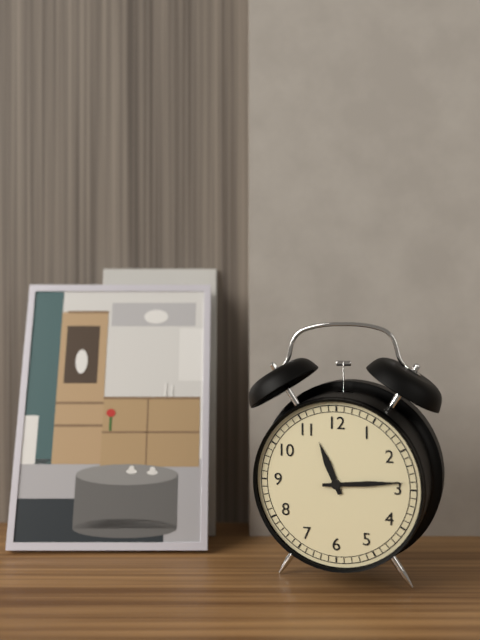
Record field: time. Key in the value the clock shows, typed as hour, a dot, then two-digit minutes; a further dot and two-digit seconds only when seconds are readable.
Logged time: 11.14
